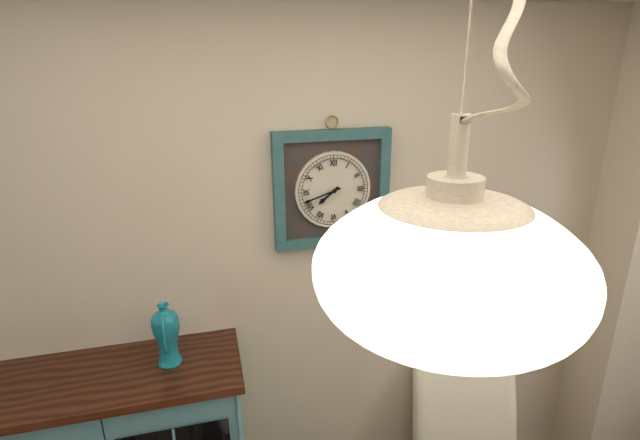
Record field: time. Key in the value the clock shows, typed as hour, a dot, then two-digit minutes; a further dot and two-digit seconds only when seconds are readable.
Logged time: 7.42
